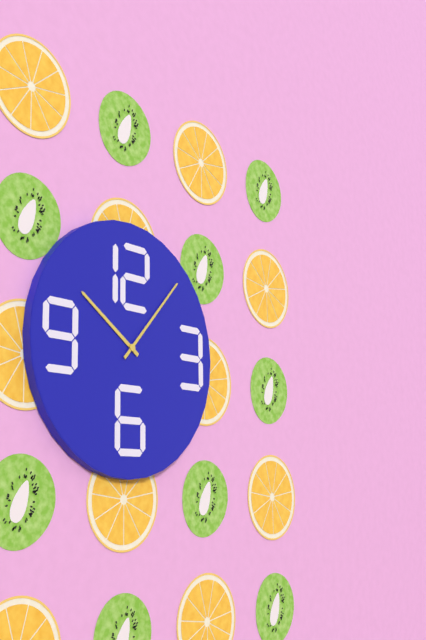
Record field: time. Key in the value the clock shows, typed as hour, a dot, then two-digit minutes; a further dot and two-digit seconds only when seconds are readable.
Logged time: 10.07
